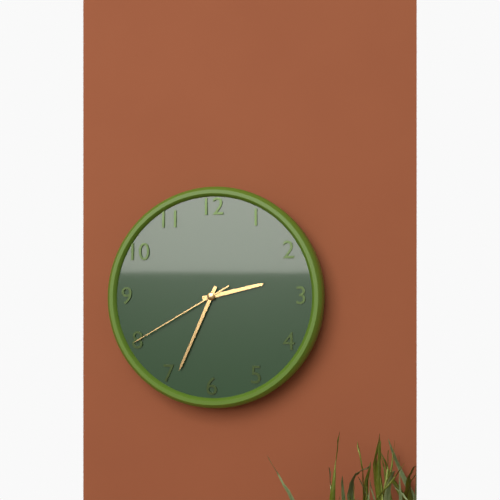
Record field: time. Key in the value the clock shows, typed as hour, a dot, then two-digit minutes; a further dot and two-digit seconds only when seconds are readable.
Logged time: 2.34.40
